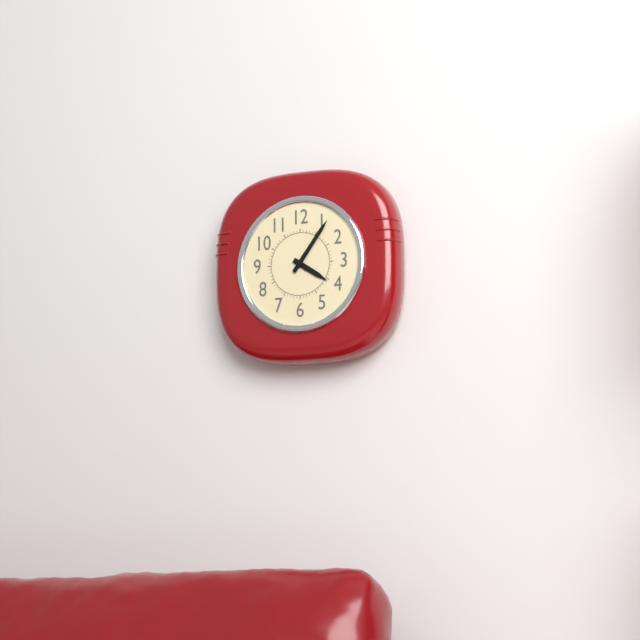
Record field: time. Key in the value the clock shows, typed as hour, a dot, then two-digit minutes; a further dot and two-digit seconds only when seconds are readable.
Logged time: 4.06
